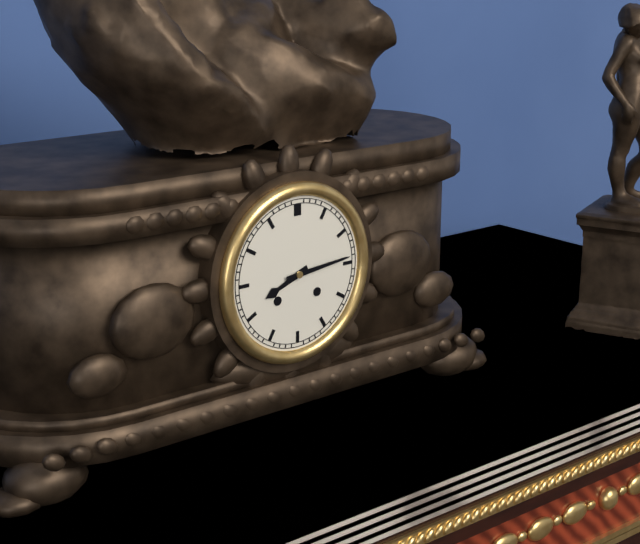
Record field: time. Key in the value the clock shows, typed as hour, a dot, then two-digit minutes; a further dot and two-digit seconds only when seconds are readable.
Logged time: 8.14
